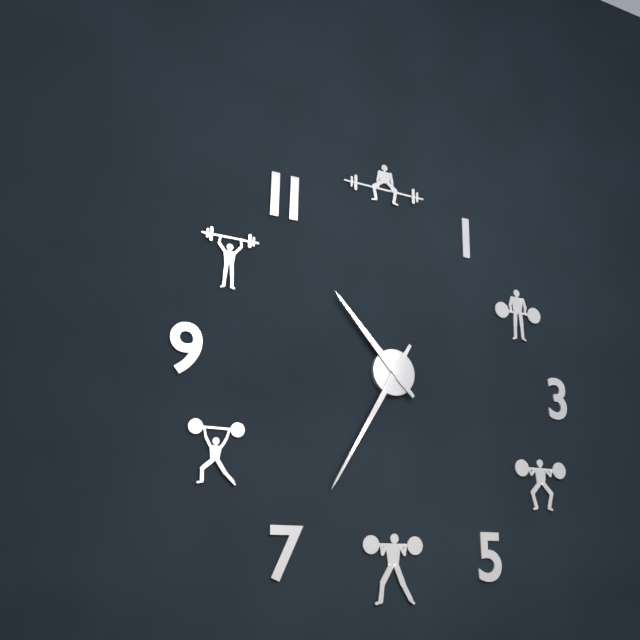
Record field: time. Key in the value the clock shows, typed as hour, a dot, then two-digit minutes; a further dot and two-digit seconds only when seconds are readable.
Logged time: 10.35
